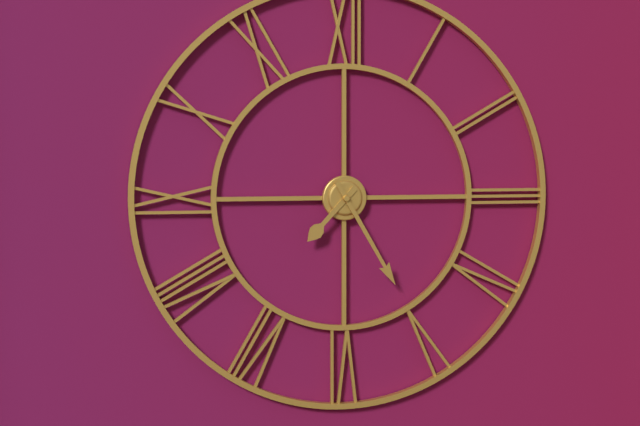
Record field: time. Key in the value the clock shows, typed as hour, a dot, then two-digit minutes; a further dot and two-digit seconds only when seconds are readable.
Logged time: 7.25
